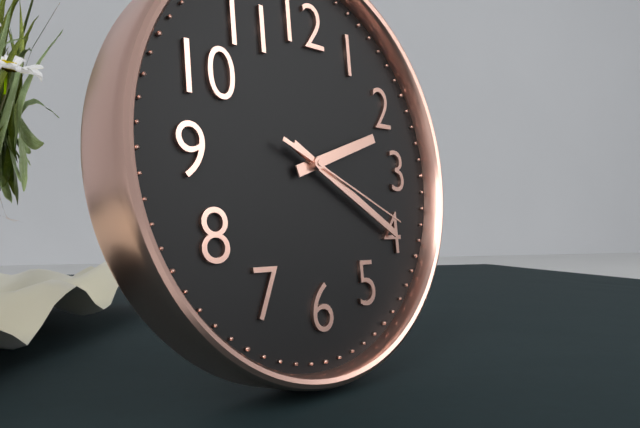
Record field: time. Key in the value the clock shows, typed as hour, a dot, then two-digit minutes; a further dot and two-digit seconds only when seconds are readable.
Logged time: 2.20.19
